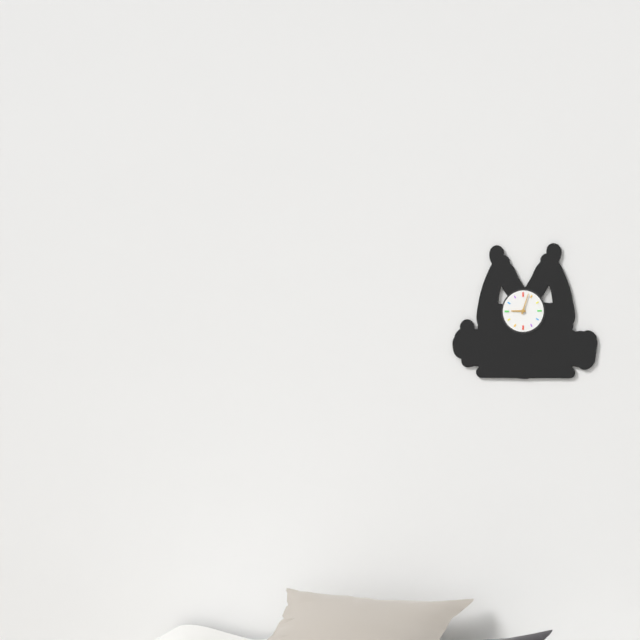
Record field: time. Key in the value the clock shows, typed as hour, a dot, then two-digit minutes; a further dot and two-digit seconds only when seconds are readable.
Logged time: 9.03
